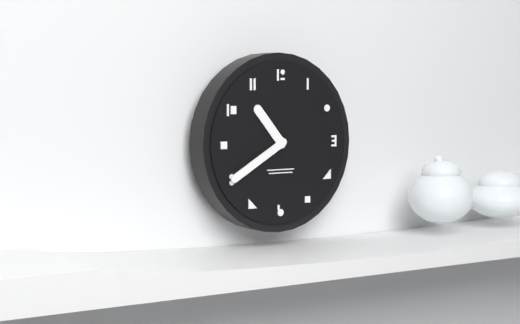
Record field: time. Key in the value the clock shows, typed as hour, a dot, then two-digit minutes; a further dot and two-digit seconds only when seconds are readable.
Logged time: 10.40
